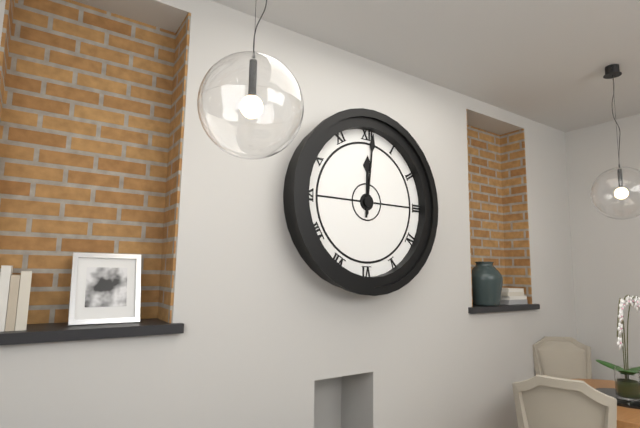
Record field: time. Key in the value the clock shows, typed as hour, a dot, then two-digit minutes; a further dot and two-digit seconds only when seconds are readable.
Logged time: 12.01
